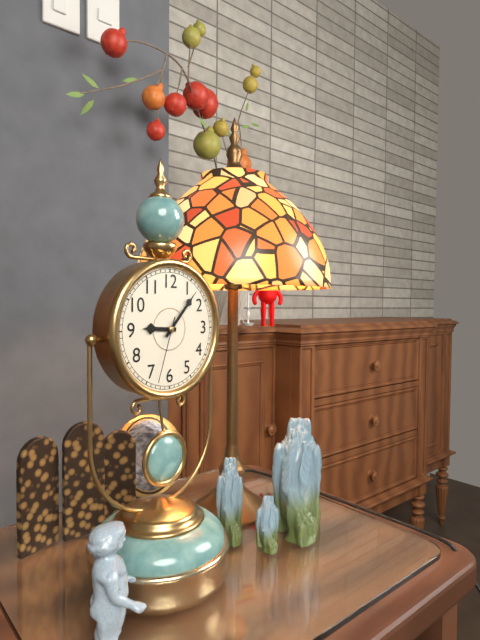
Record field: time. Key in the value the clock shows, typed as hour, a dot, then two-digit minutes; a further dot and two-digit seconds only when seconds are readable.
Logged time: 9.07.33
